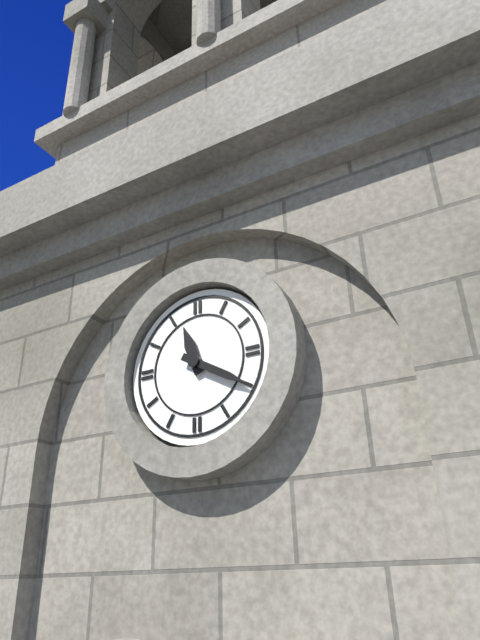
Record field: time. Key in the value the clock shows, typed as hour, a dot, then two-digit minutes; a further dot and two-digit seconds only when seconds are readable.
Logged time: 11.20
